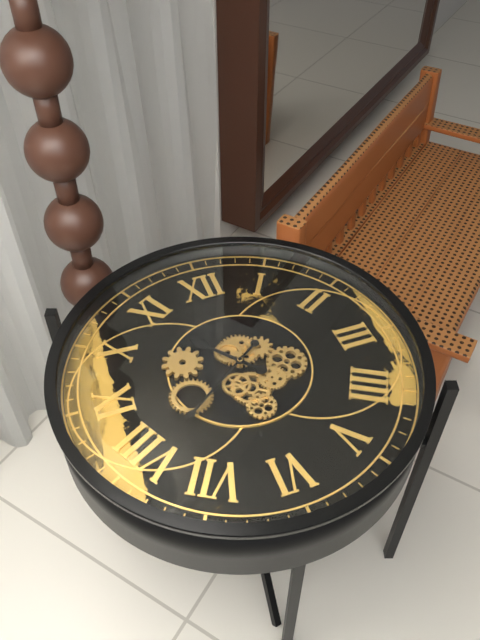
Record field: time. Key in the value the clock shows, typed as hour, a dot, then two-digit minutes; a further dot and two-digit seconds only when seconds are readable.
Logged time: 10.39
